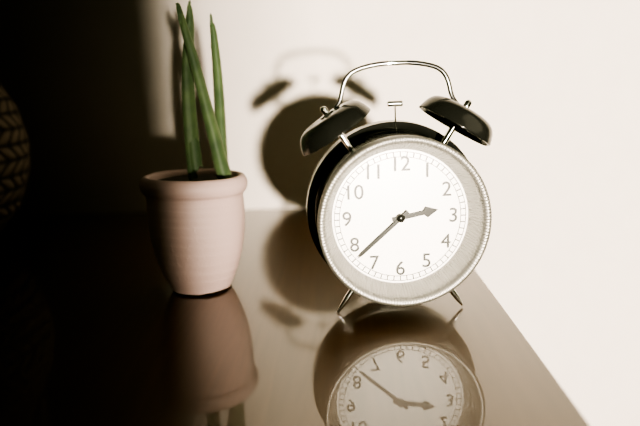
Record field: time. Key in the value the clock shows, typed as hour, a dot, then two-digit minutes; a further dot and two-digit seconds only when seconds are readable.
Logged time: 2.38
